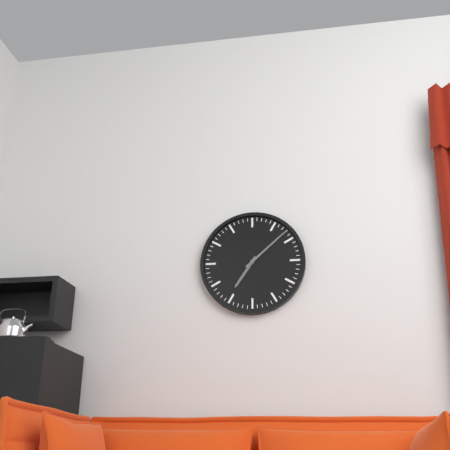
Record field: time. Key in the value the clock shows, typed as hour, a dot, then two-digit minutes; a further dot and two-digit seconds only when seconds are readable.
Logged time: 7.08
